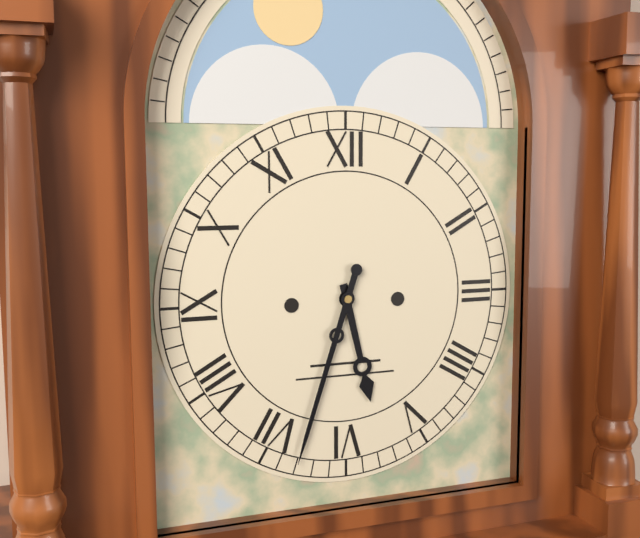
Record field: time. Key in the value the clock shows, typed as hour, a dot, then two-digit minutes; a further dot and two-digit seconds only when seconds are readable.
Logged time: 5.33
